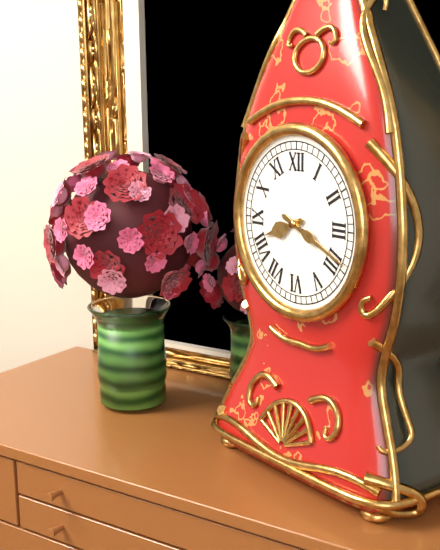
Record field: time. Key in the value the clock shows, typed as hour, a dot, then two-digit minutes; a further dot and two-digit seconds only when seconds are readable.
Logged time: 8.19
